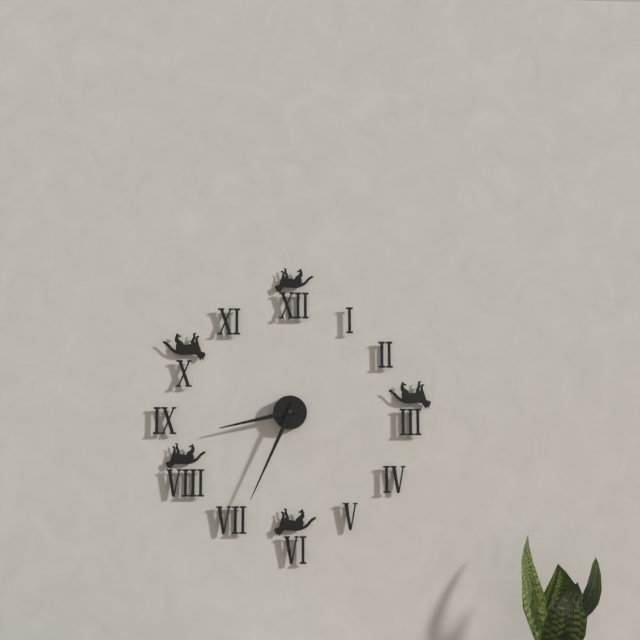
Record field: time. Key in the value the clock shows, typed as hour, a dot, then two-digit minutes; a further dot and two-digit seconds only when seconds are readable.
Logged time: 8.34
